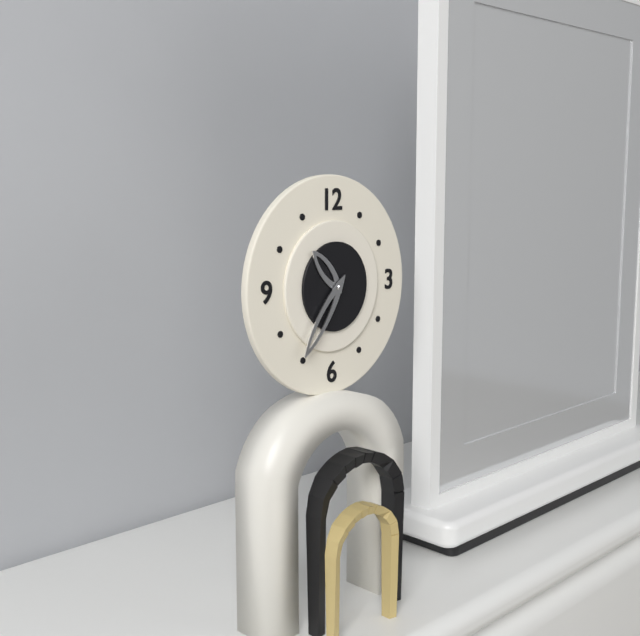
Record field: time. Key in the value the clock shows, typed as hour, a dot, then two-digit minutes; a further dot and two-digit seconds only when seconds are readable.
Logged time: 10.36
